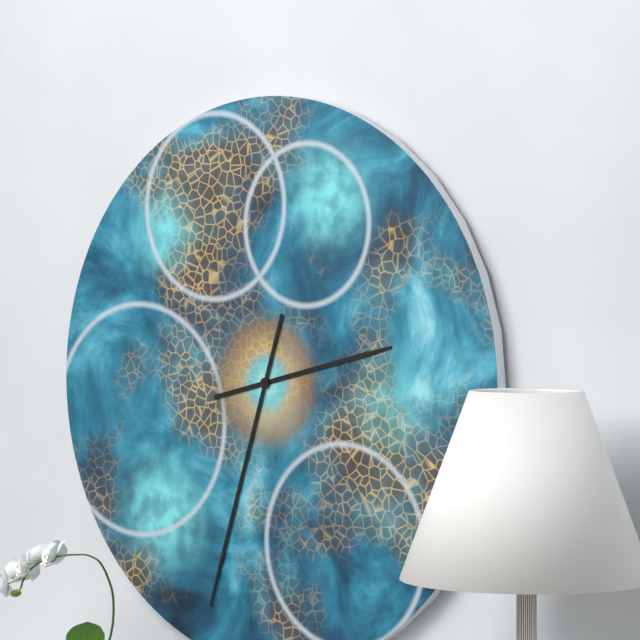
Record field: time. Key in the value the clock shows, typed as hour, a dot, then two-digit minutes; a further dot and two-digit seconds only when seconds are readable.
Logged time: 2.33
